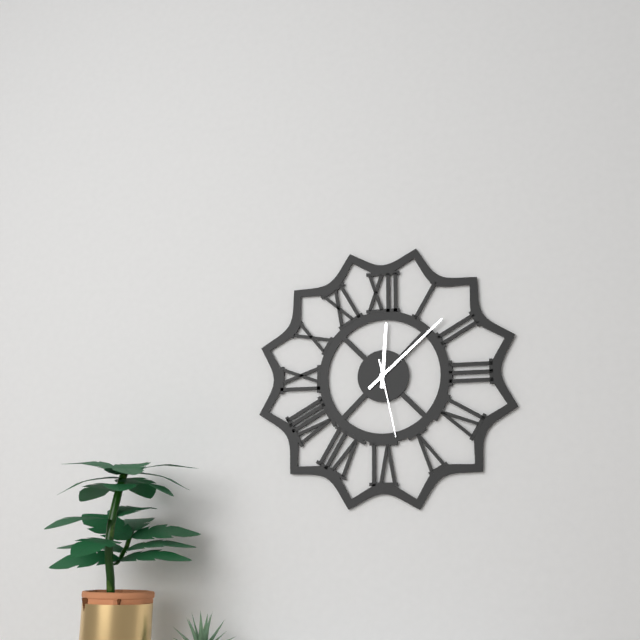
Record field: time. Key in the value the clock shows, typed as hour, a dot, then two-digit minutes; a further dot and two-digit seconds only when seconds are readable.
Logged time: 12.08.28
